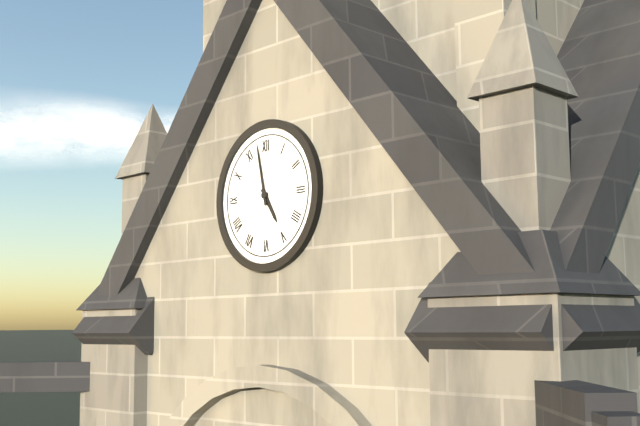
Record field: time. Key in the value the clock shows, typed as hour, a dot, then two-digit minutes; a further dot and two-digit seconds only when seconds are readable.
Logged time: 4.58
